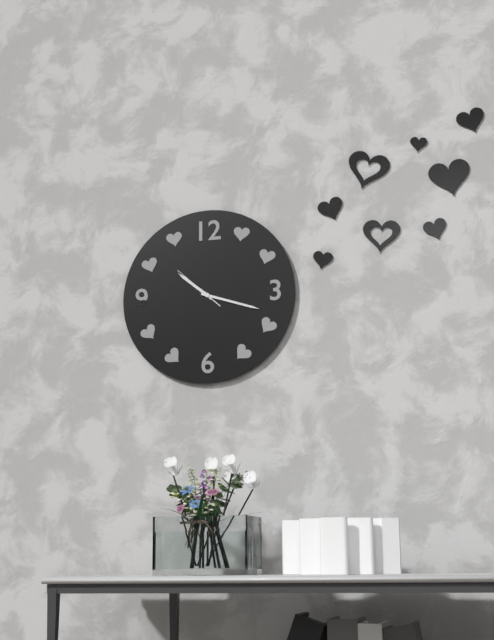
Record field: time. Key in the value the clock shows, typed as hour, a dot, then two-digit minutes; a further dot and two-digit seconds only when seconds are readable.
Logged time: 10.18.52
